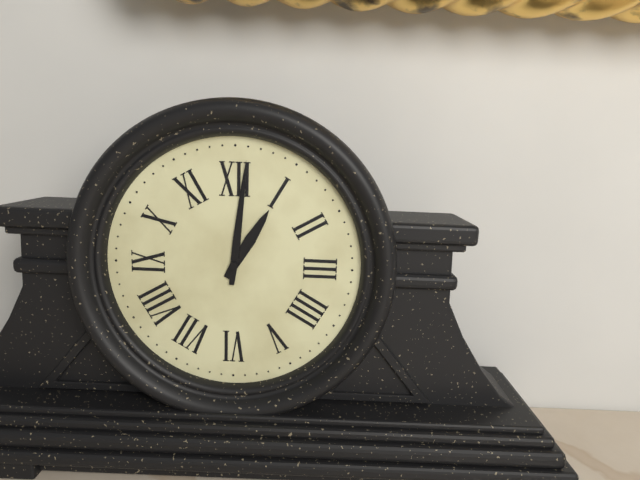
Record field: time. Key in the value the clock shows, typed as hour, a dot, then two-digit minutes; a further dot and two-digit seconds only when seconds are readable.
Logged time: 1.01
